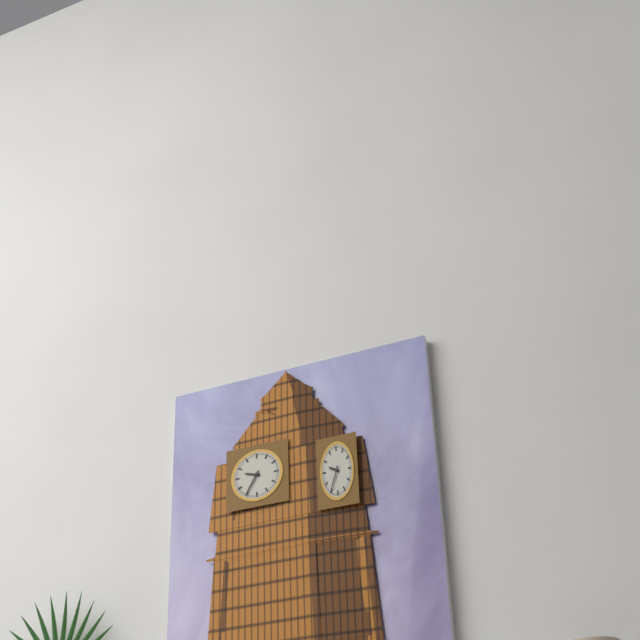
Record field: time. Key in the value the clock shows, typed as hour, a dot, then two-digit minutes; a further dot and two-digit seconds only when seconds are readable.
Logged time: 9.35
